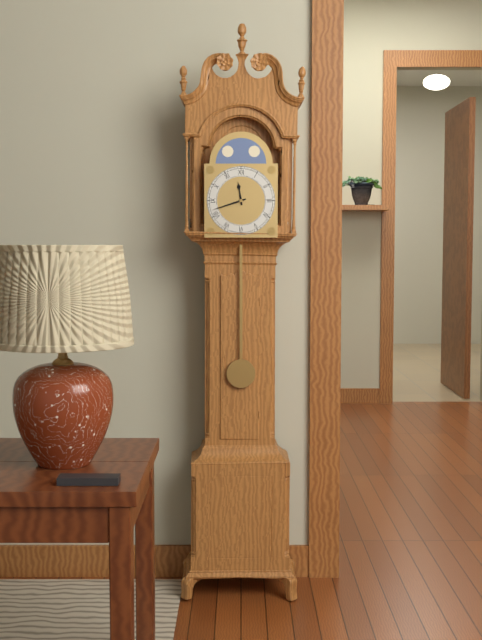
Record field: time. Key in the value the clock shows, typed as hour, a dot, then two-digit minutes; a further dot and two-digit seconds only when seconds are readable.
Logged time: 11.42
